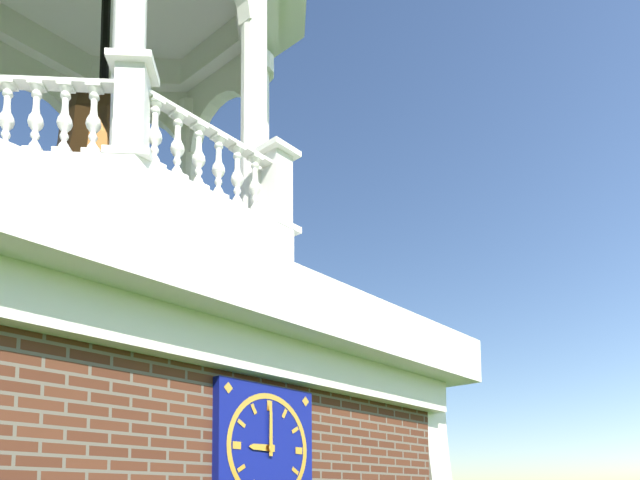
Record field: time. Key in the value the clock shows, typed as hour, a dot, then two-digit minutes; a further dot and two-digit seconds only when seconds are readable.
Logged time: 9.00
